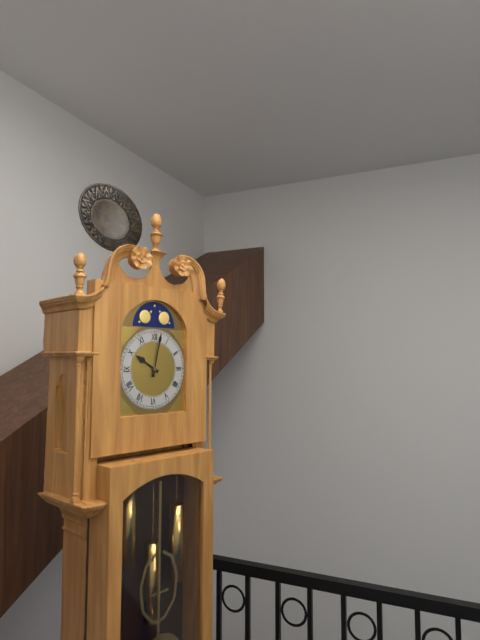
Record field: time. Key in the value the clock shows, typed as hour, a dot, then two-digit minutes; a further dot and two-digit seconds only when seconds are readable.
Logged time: 10.02
